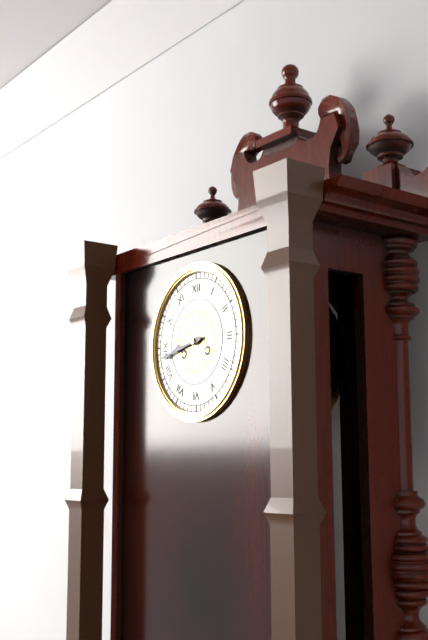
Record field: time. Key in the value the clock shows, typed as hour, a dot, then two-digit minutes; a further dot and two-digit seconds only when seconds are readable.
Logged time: 8.43
